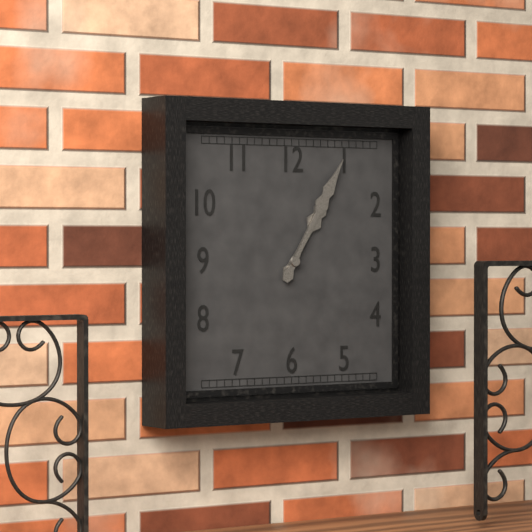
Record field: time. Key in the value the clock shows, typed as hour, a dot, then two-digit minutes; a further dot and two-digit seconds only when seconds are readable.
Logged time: 1.05
